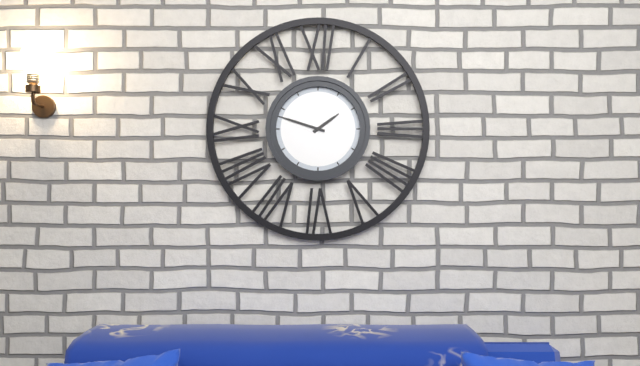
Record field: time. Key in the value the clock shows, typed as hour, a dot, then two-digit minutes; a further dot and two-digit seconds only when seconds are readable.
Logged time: 1.48
